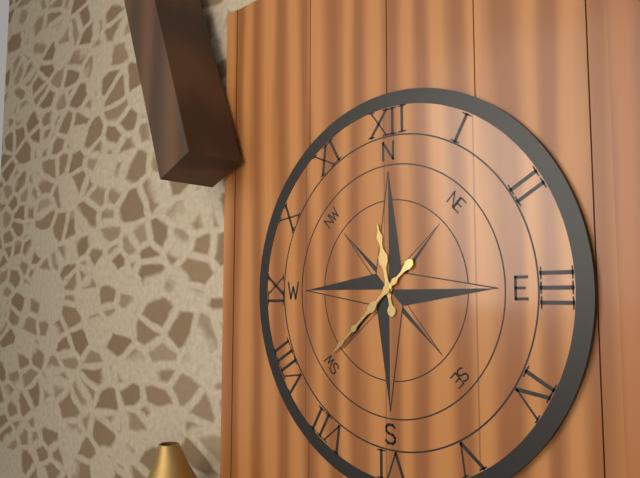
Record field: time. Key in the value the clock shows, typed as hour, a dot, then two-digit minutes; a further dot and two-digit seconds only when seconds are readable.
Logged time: 11.38
